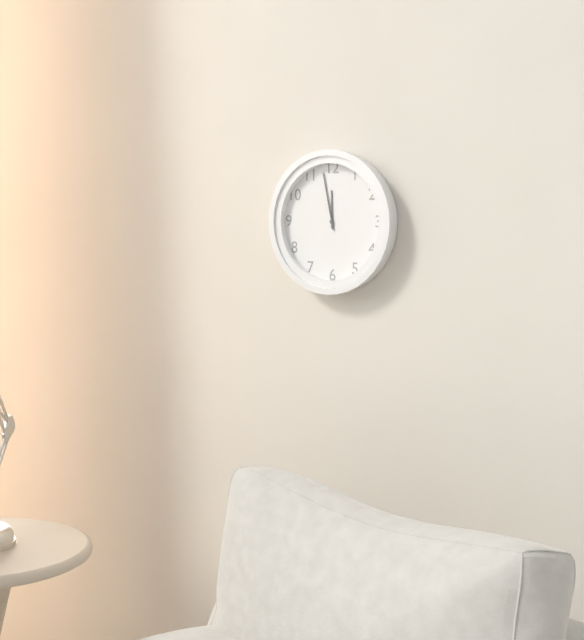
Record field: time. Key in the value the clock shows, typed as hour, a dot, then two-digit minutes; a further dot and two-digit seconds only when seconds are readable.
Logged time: 11.58
